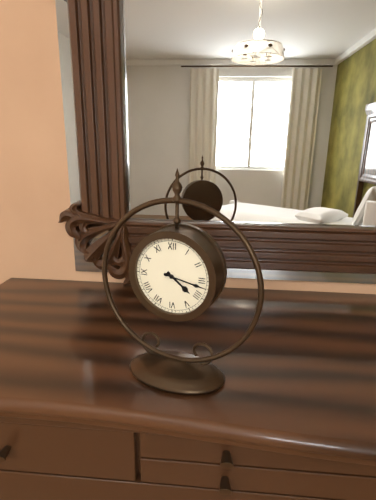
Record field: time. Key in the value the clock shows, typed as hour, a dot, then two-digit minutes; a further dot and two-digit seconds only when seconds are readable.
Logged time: 4.17
